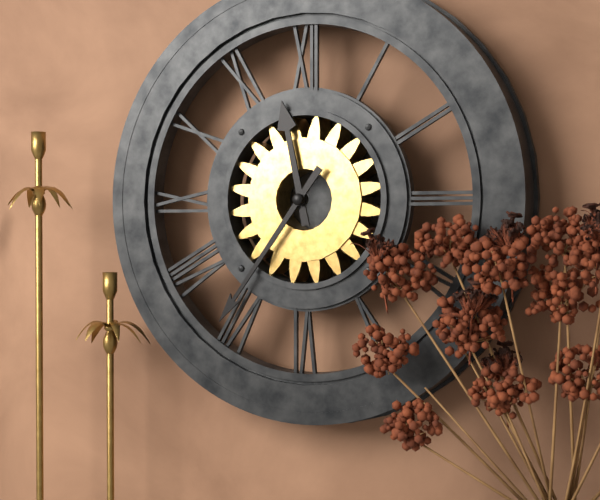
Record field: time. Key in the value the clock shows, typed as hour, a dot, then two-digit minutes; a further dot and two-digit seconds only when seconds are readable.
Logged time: 11.36
